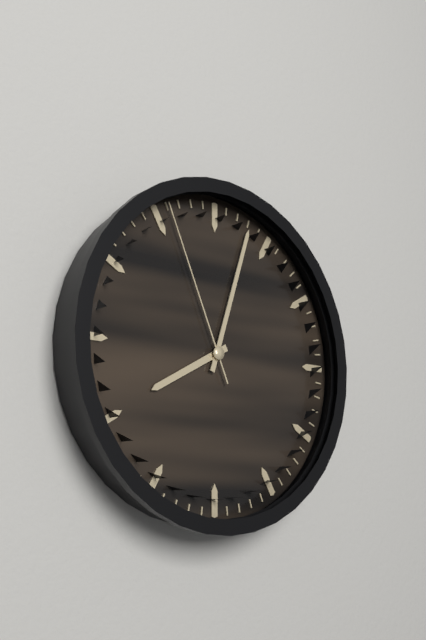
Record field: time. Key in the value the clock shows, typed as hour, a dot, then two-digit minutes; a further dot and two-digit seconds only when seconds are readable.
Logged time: 8.03.56
